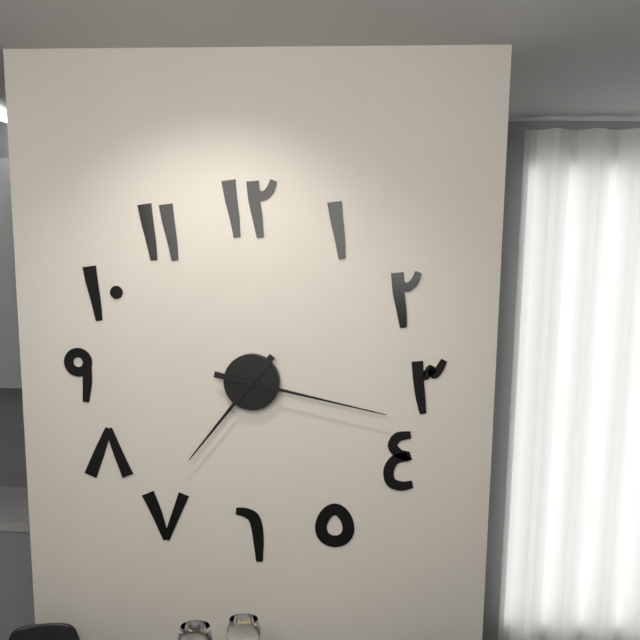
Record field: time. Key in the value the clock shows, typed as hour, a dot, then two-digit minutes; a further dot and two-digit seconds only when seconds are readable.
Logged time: 7.17
